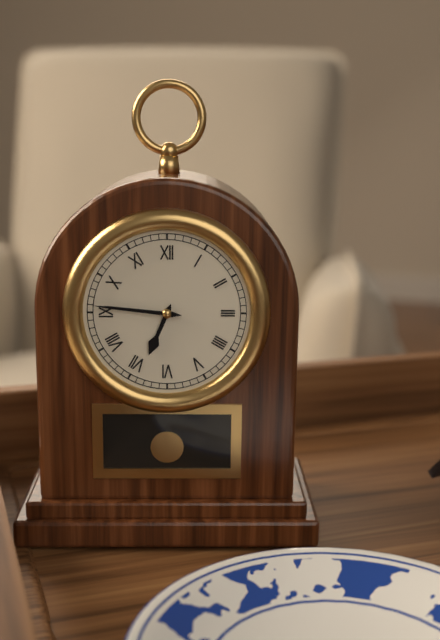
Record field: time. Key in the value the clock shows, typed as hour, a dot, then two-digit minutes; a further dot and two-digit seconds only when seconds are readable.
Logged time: 6.46
